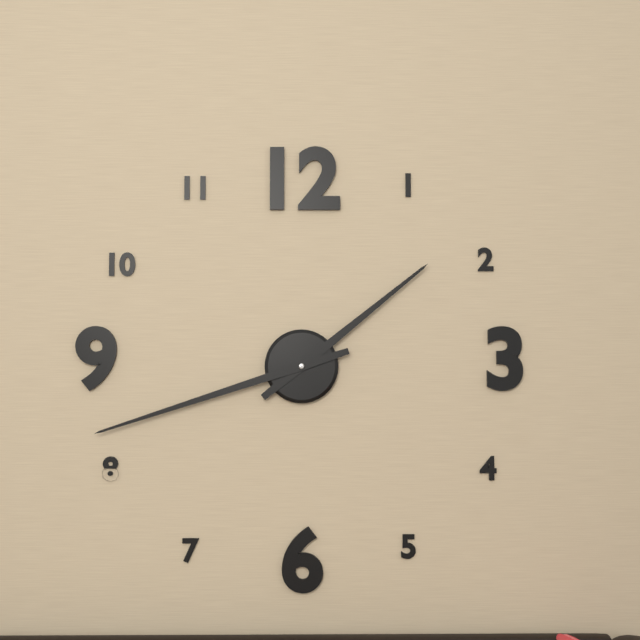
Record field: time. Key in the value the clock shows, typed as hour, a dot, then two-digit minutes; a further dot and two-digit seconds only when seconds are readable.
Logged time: 1.42
